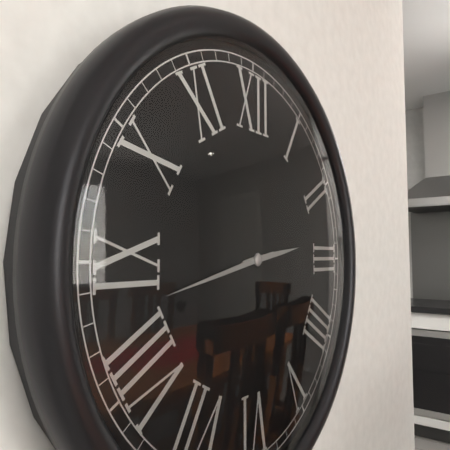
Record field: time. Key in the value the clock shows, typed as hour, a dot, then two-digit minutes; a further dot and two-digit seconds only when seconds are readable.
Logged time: 2.43
